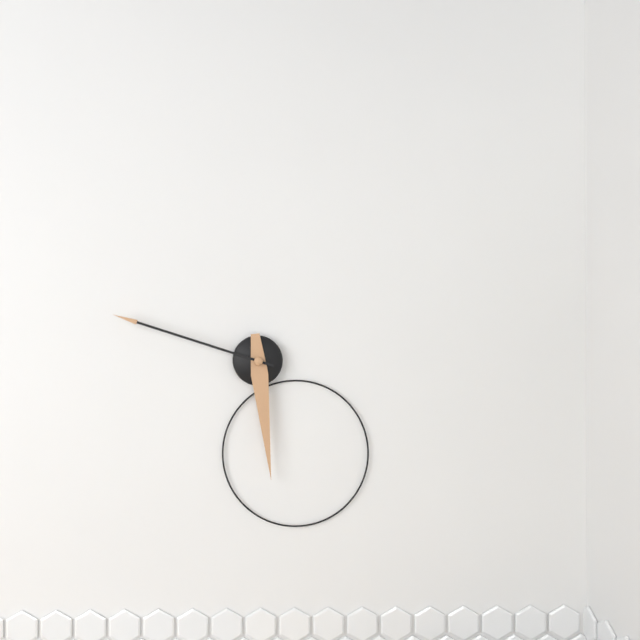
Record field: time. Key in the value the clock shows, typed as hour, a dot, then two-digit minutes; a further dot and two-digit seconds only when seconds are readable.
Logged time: 5.48
